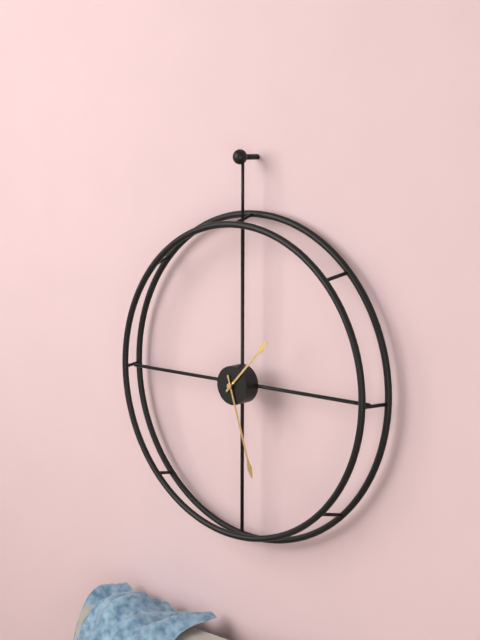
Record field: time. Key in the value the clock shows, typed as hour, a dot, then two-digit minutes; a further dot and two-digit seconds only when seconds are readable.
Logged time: 1.27
